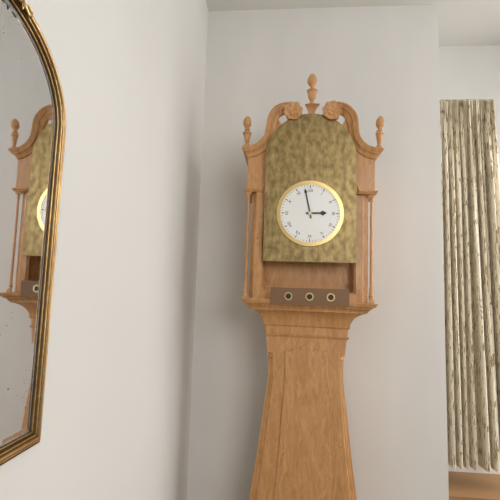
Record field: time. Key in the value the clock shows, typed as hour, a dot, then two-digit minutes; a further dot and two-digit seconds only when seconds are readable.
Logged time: 2.58
